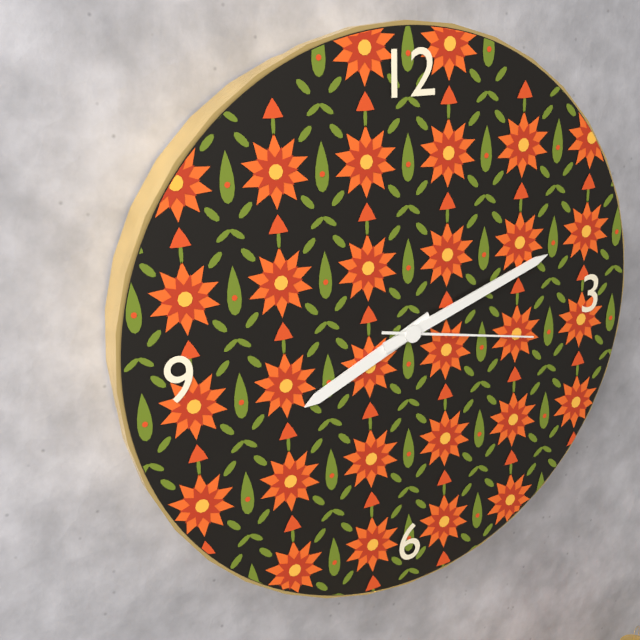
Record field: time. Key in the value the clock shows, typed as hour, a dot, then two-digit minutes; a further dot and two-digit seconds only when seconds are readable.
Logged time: 8.12.17
